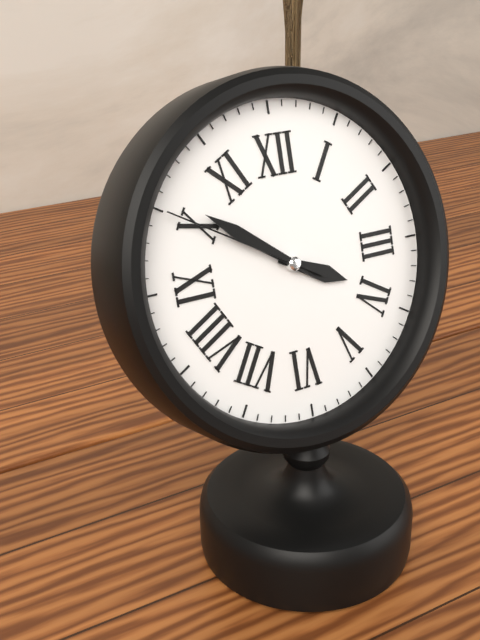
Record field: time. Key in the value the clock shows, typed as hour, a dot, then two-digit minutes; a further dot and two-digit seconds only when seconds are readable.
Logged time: 3.51.50
